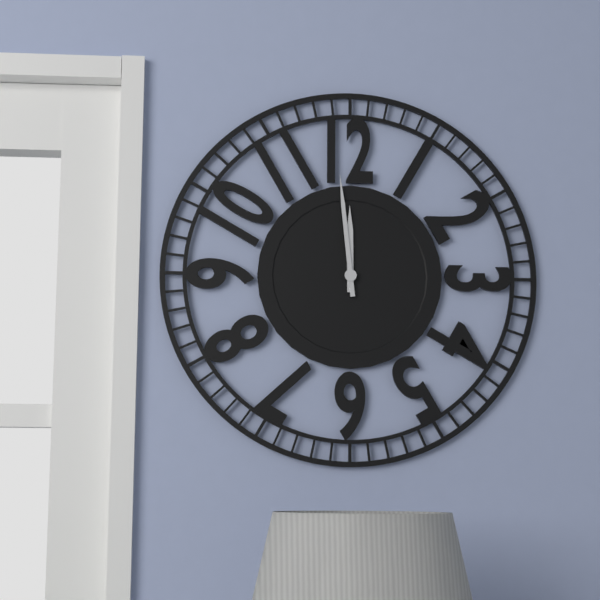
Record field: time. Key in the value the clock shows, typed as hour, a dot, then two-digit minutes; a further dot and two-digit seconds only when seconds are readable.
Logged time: 11.59
